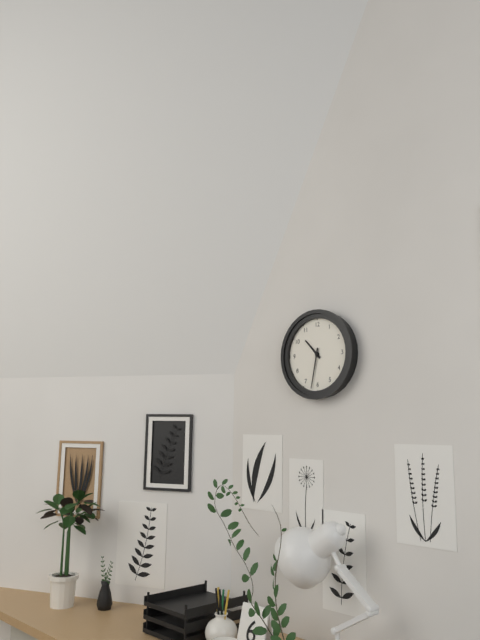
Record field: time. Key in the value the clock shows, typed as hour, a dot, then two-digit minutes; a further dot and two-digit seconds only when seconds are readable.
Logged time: 10.32
